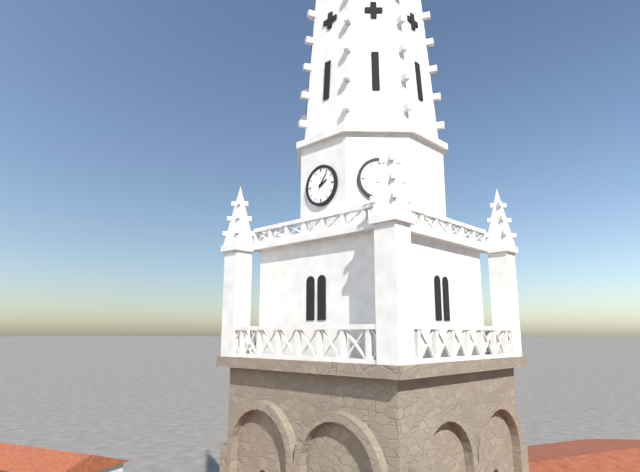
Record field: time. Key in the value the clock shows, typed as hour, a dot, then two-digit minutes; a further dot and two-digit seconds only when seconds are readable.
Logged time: 2.06
